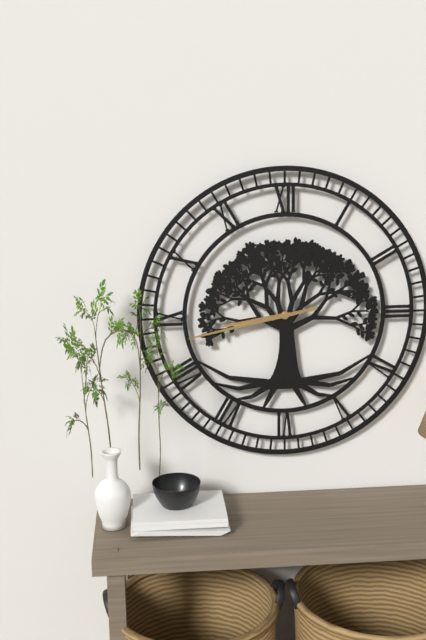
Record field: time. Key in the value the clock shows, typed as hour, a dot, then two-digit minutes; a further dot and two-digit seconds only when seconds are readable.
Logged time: 8.43
